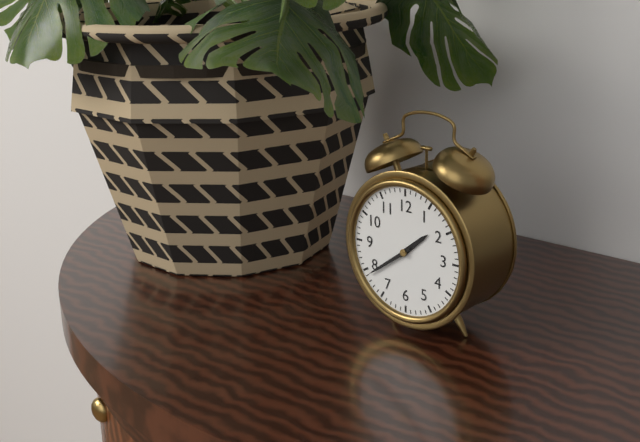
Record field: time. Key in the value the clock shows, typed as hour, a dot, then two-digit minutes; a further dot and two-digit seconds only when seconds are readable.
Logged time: 1.39
